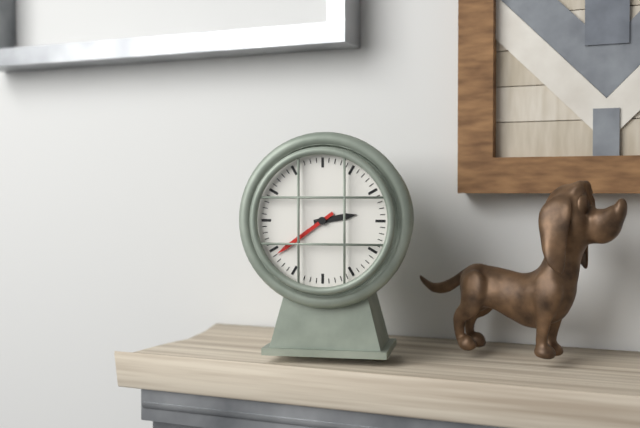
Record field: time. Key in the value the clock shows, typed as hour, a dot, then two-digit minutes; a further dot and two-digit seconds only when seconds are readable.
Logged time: 2.39
